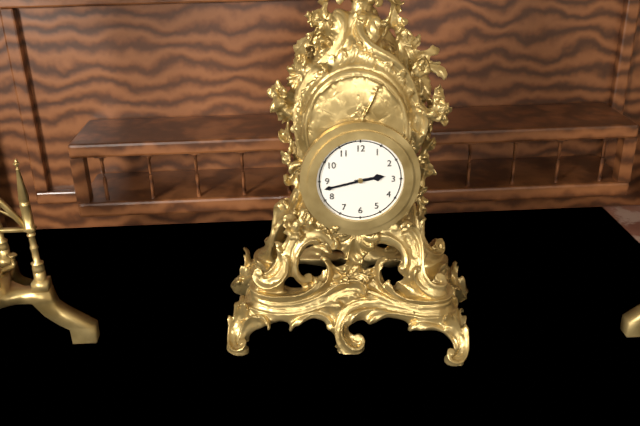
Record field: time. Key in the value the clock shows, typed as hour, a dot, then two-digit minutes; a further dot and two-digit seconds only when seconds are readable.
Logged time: 2.43
